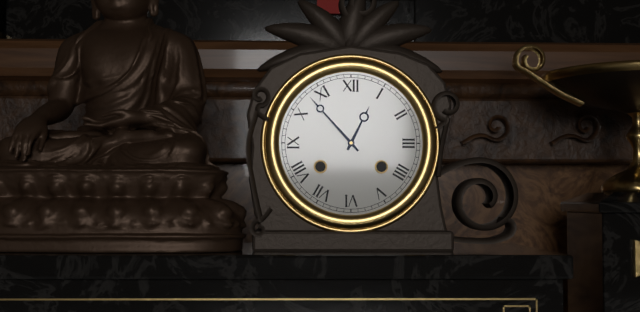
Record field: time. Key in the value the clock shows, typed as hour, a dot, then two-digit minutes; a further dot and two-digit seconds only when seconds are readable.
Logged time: 12.53
